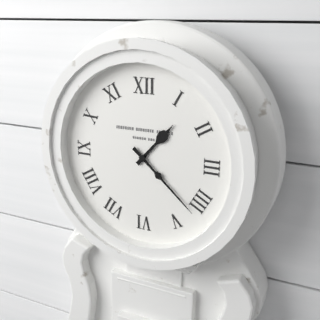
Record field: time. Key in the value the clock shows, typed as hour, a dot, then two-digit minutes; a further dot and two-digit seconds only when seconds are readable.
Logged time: 1.22
